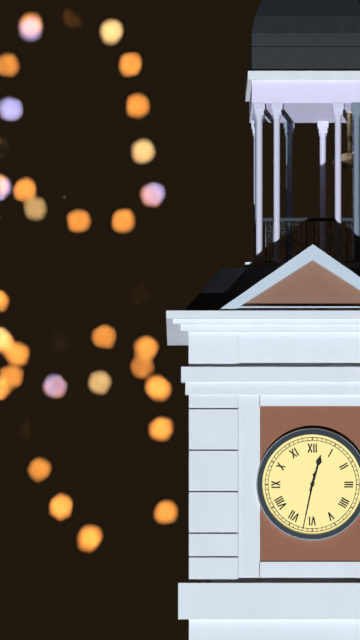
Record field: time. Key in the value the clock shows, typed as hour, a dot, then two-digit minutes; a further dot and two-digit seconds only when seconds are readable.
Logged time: 12.32
